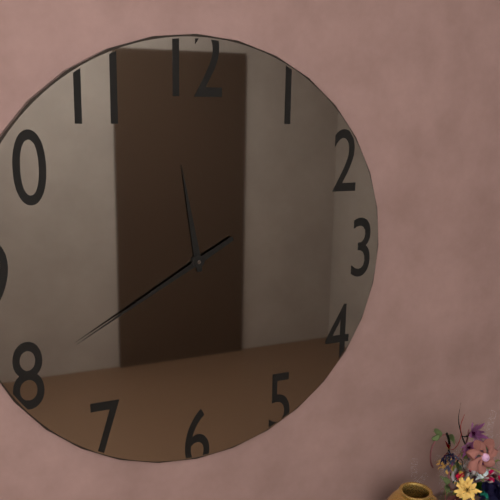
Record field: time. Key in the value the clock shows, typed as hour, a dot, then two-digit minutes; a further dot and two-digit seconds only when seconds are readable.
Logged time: 11.40
